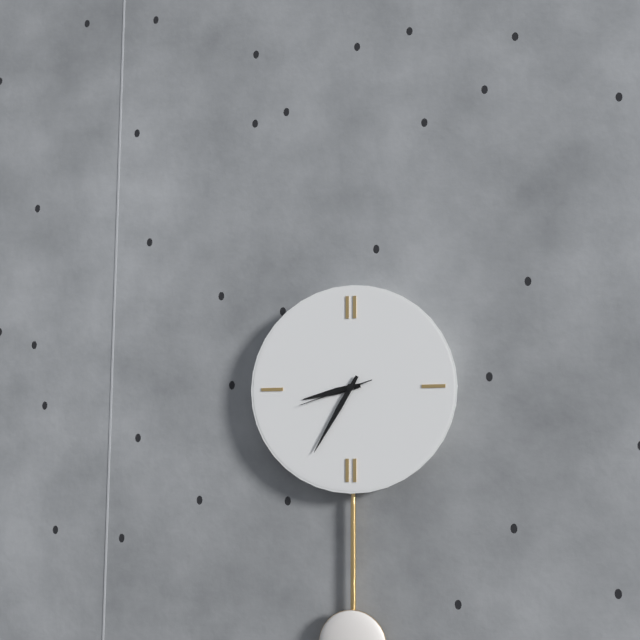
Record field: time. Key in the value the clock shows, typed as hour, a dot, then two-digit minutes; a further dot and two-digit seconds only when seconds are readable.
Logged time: 8.35.42
